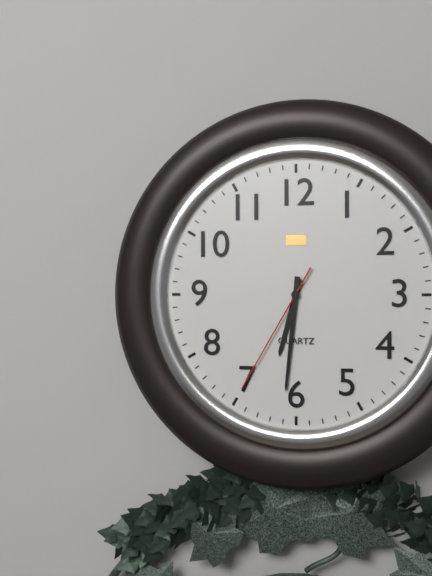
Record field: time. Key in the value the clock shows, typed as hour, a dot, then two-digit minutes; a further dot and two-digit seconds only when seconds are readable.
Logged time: 6.31.35
